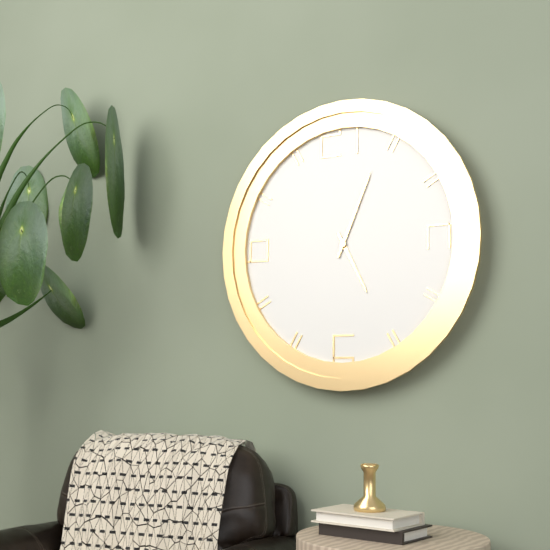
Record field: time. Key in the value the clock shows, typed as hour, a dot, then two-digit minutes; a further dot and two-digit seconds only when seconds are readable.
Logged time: 5.04
